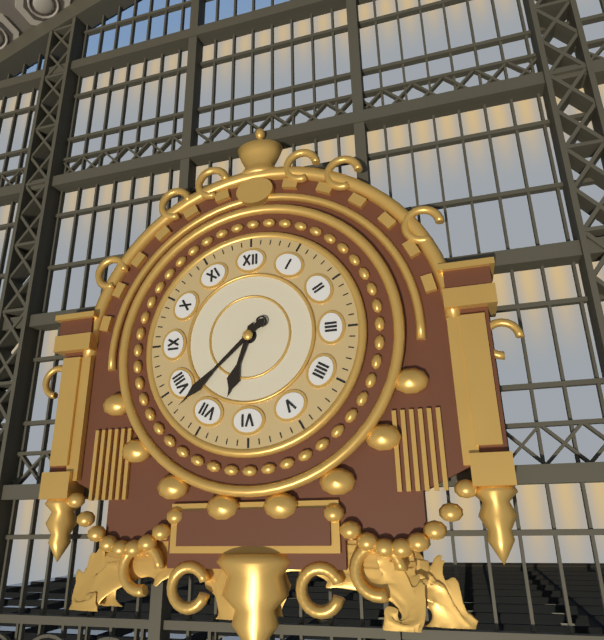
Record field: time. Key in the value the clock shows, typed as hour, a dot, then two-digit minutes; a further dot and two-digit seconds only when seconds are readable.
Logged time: 6.38
